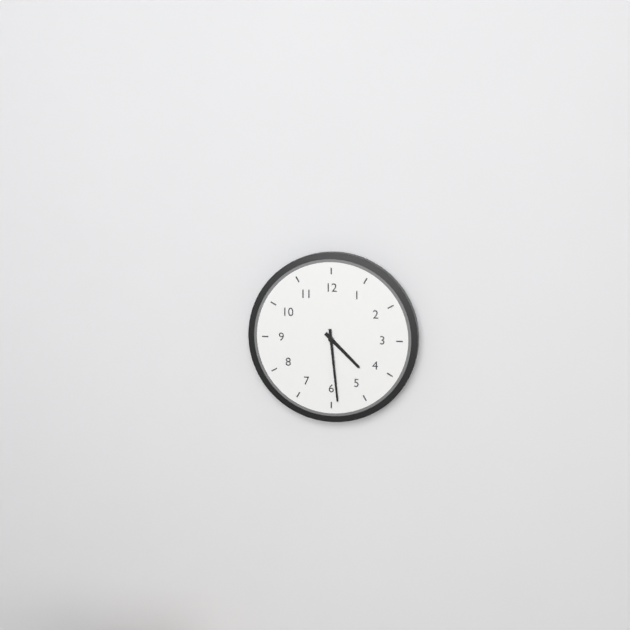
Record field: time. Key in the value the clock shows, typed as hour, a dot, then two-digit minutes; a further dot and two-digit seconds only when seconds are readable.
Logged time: 4.29
